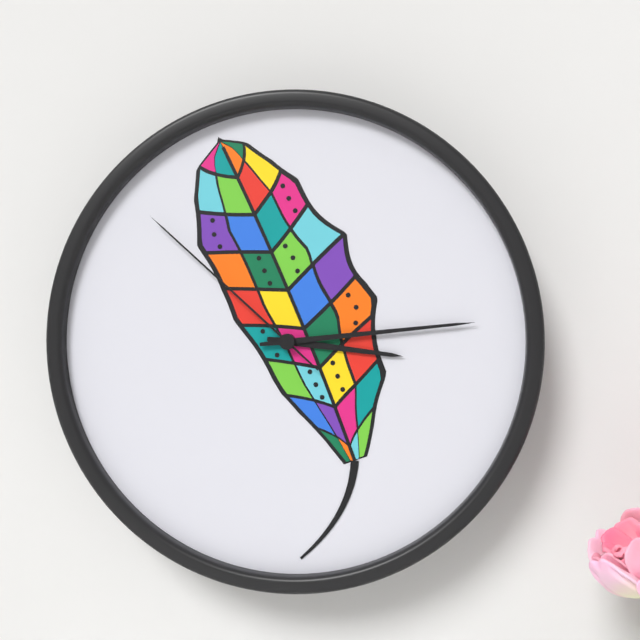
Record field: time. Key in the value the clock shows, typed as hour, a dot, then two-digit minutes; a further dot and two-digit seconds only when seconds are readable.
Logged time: 3.14.52
